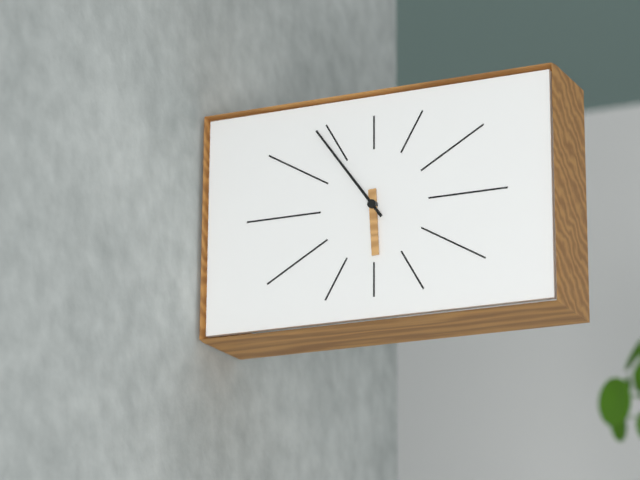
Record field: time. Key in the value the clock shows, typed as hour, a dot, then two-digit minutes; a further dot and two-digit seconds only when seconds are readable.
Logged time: 5.54
